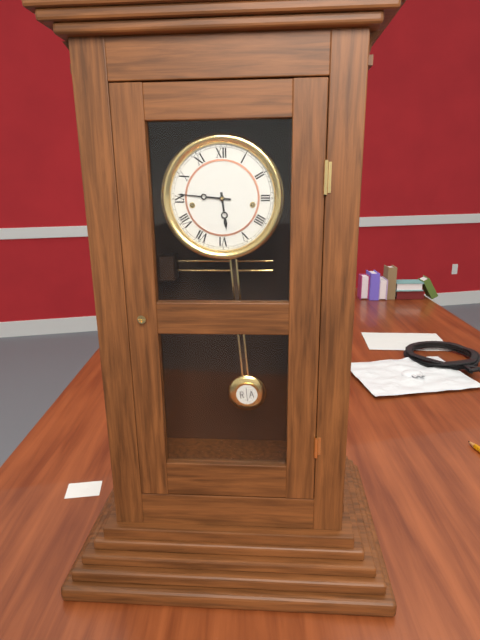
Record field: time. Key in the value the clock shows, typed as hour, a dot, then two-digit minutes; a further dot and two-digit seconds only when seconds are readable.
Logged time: 5.46
